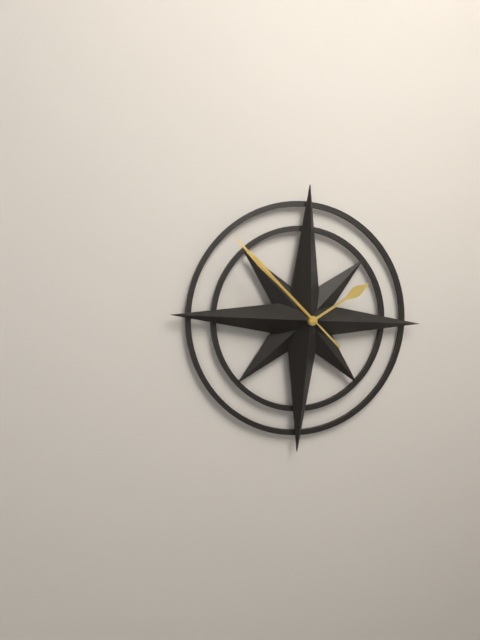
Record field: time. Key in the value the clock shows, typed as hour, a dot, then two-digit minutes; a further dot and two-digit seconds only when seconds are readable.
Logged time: 1.52.52
